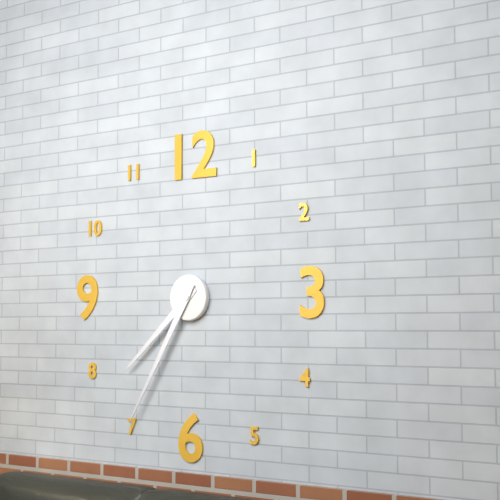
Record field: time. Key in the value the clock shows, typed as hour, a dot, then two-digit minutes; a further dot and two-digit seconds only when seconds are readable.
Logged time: 7.35
